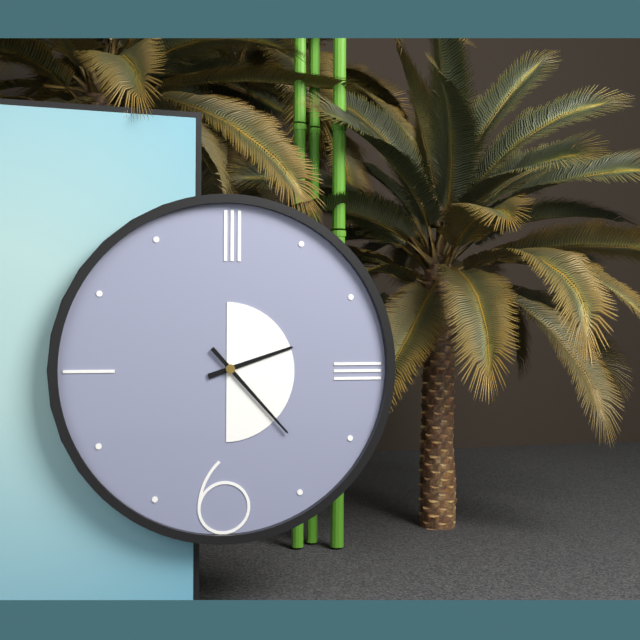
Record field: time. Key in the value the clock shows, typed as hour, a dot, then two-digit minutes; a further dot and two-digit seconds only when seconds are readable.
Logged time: 2.23
